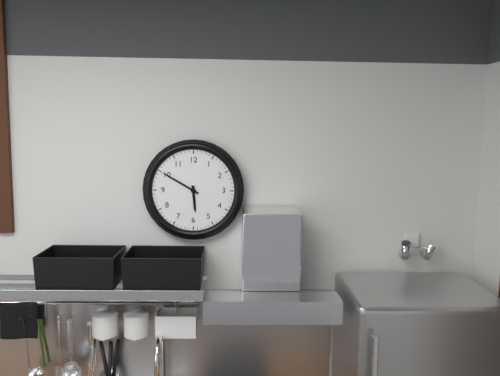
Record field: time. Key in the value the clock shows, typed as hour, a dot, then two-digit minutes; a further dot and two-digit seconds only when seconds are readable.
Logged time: 5.50
